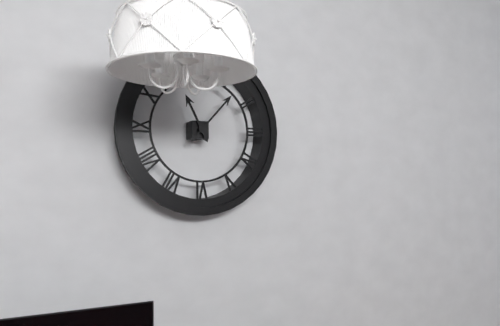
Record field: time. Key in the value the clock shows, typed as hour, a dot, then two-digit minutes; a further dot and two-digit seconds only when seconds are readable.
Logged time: 11.07
